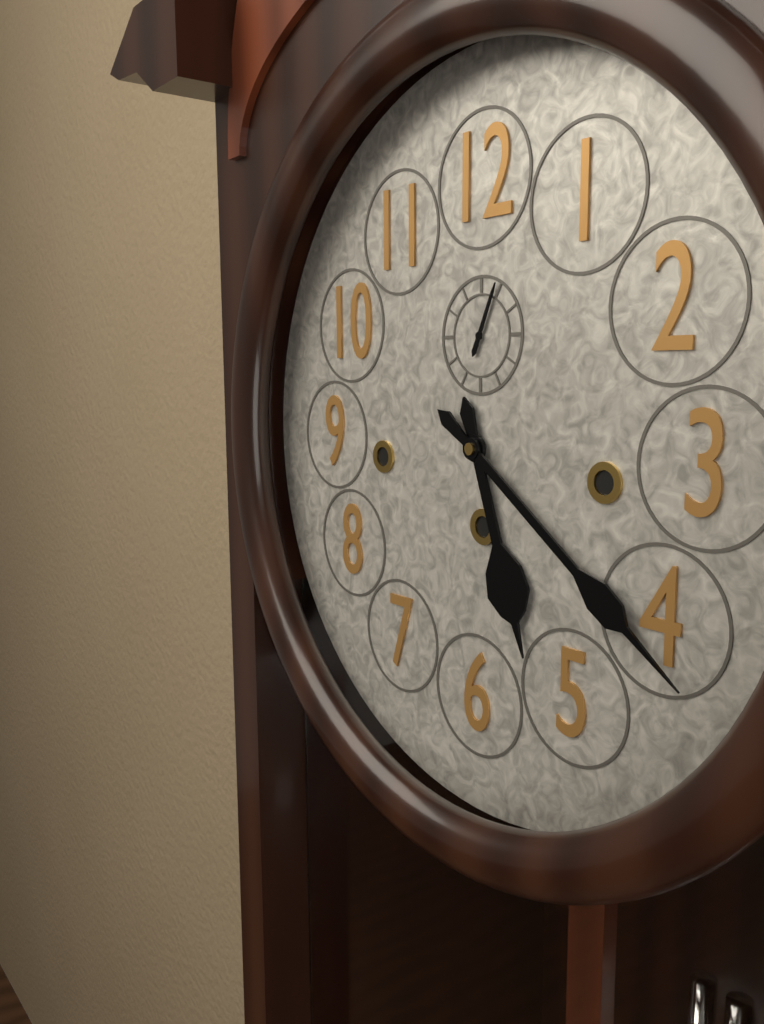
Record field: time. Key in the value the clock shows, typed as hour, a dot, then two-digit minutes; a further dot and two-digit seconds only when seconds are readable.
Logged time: 5.21.04
